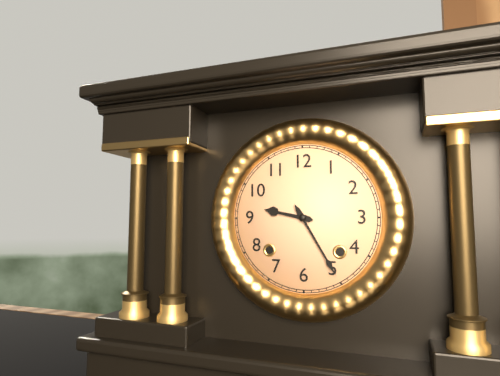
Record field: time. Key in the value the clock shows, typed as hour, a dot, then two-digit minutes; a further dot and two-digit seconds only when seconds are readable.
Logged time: 9.25
